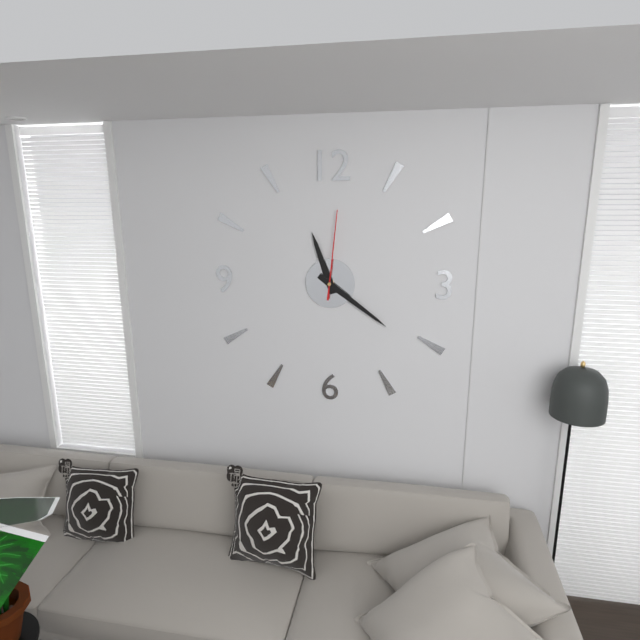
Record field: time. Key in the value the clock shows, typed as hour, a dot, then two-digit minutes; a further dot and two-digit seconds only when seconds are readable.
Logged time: 11.21.01
